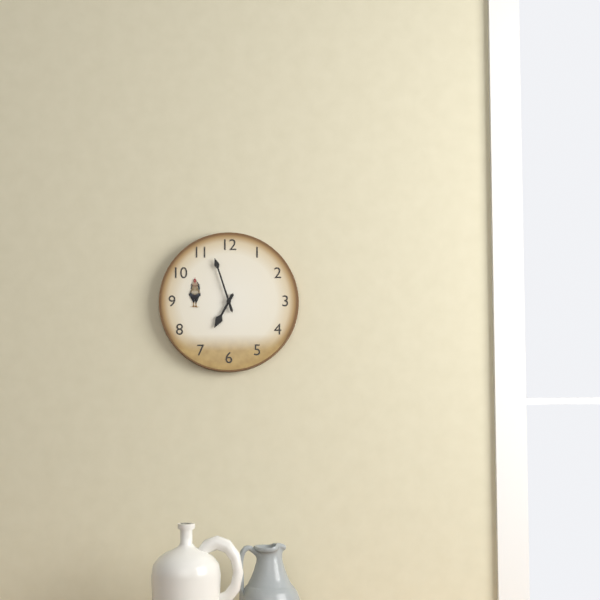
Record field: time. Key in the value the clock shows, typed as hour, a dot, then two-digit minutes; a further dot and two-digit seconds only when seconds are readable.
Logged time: 6.57
